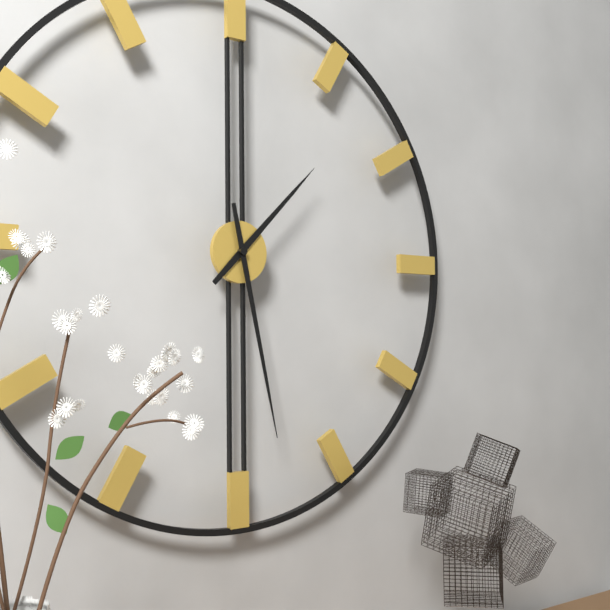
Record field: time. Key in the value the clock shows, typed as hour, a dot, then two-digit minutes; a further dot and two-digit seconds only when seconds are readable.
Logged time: 1.28
